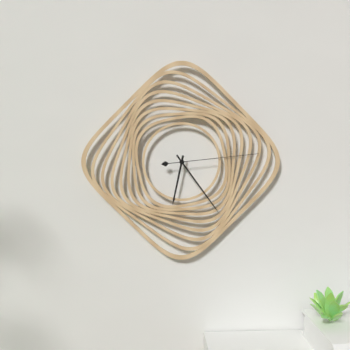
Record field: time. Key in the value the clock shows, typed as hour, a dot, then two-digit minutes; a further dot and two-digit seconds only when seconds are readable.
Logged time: 6.24.14
